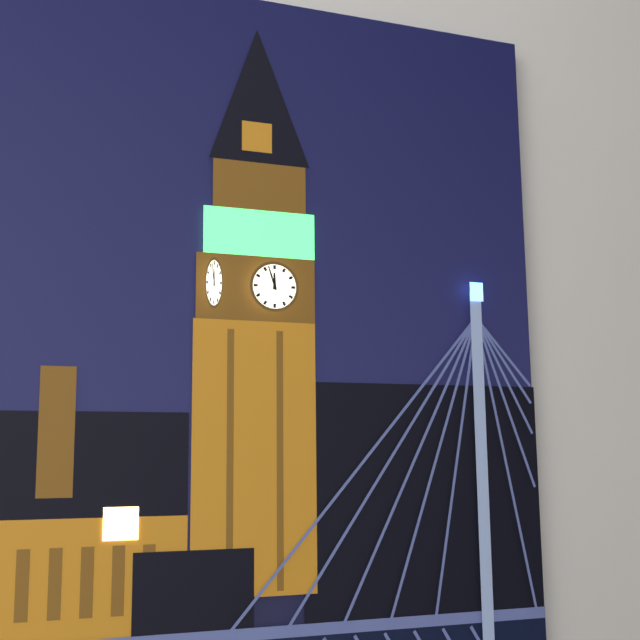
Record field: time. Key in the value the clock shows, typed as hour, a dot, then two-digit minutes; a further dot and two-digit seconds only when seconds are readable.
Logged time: 11.57
